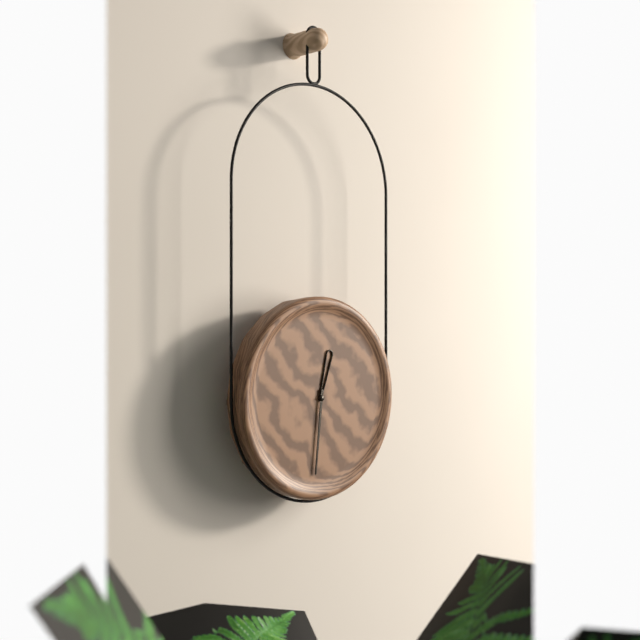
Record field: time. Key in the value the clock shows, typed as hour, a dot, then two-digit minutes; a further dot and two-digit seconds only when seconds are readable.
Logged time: 12.31
